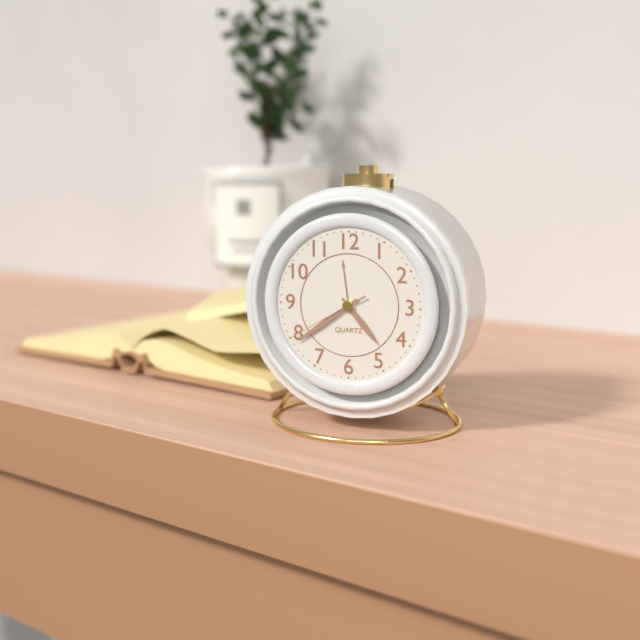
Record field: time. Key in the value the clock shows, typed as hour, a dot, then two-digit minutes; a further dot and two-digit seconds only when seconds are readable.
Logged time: 4.39.40
